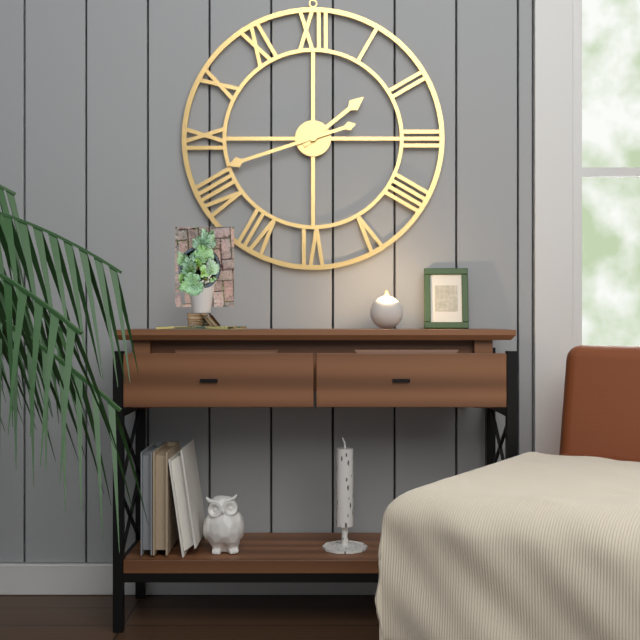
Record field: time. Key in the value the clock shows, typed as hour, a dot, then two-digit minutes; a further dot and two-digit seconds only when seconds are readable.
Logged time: 1.42
